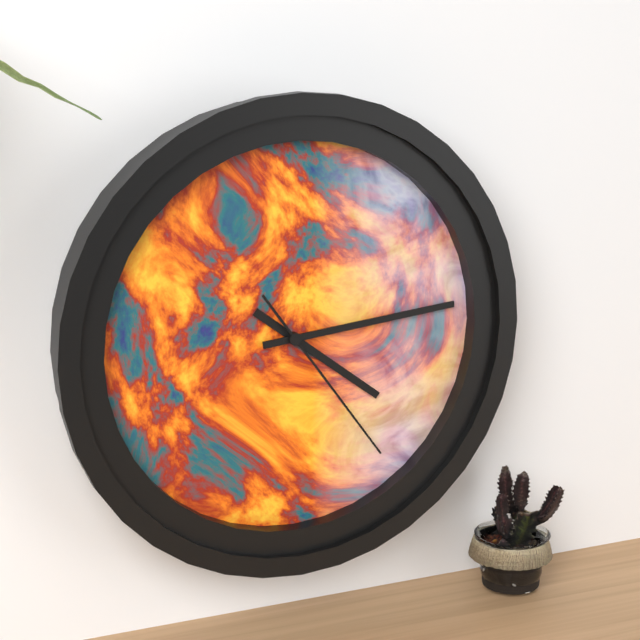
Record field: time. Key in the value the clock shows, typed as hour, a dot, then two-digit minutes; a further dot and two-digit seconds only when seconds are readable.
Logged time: 4.14.24
